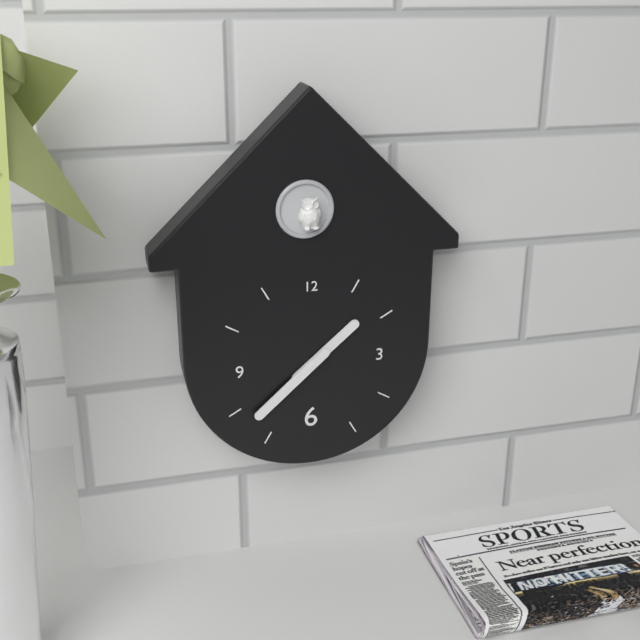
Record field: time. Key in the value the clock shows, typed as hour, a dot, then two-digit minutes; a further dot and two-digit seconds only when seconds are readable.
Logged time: 1.38
